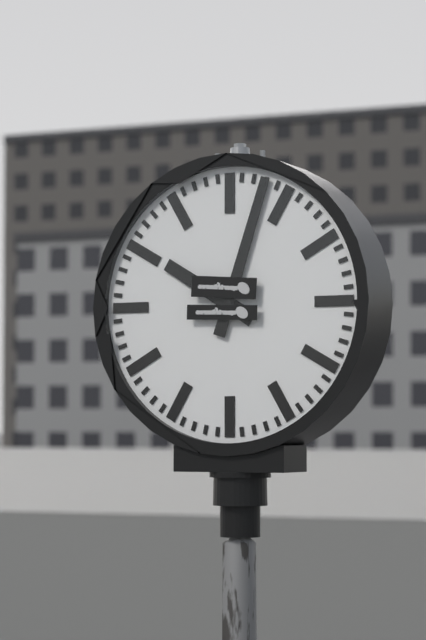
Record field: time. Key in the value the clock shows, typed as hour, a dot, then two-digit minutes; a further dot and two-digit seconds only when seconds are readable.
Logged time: 10.03
